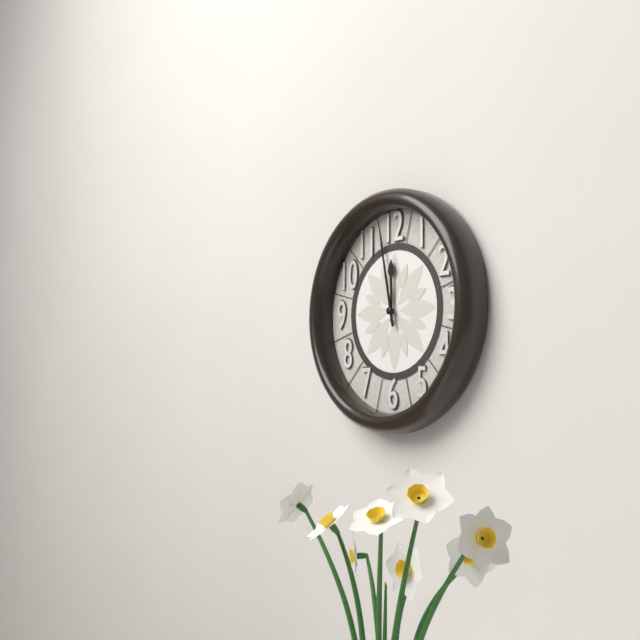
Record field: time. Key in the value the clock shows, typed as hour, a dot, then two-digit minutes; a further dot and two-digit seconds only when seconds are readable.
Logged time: 11.58
